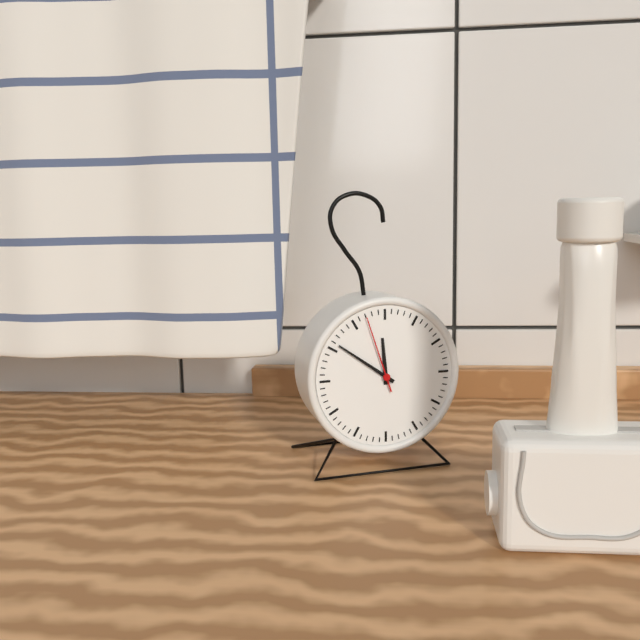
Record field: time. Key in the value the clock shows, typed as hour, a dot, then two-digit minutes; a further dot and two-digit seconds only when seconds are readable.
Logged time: 11.51.57
